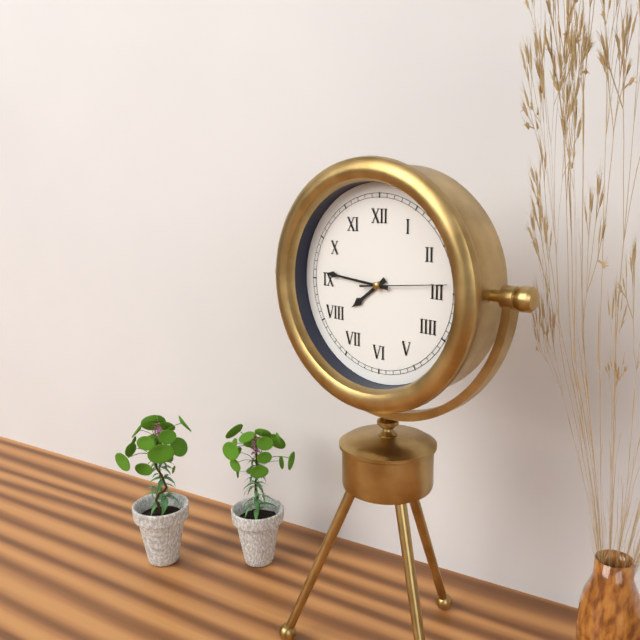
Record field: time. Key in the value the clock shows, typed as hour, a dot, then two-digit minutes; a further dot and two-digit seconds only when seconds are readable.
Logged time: 7.46.14
